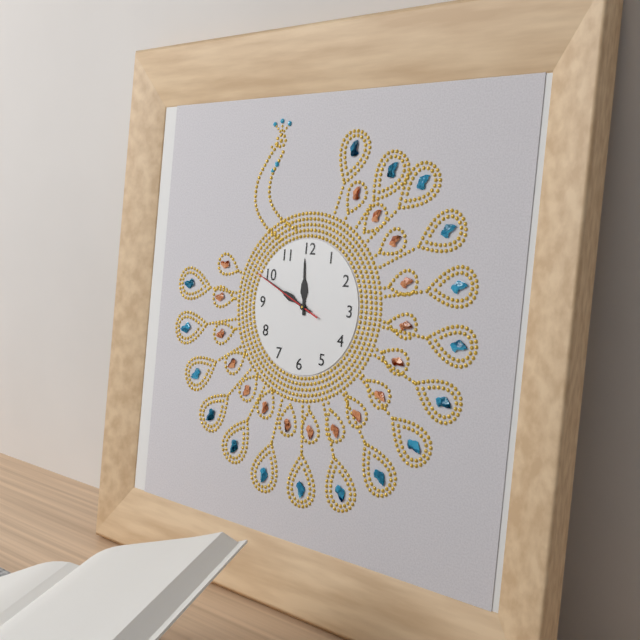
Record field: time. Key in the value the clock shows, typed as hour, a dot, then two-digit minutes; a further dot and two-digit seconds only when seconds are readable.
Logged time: 11.49.49
